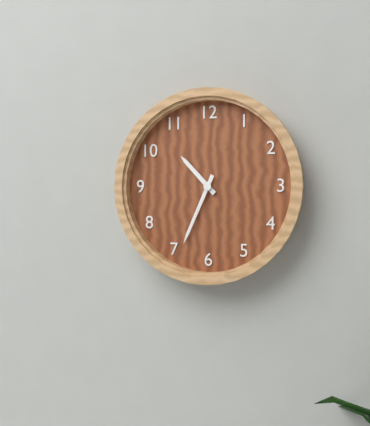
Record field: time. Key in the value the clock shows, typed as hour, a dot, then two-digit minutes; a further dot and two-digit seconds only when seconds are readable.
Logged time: 10.34
